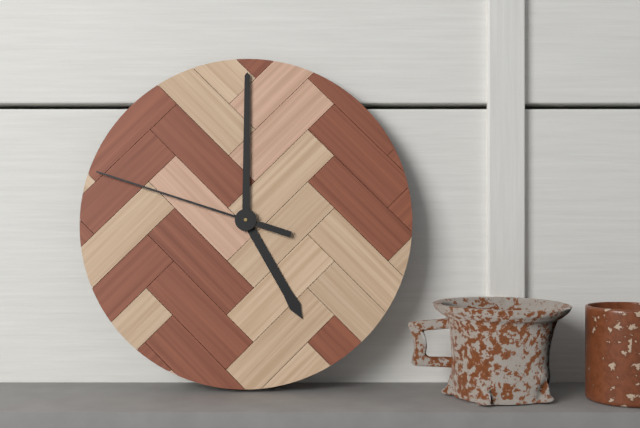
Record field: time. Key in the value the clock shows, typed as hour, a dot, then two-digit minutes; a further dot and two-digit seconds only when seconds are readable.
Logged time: 5.00.48
